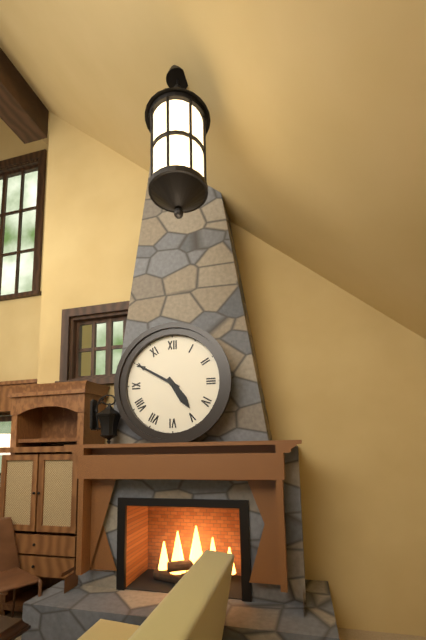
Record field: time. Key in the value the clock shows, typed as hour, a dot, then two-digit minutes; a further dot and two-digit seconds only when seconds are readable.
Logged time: 4.50
